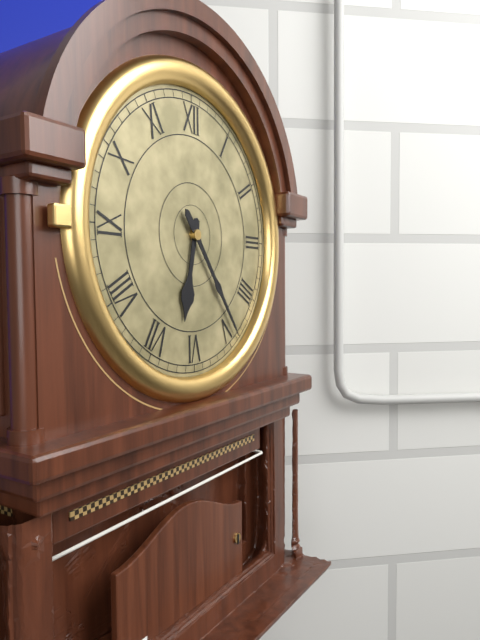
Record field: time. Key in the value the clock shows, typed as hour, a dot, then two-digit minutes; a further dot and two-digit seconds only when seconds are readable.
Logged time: 6.24
